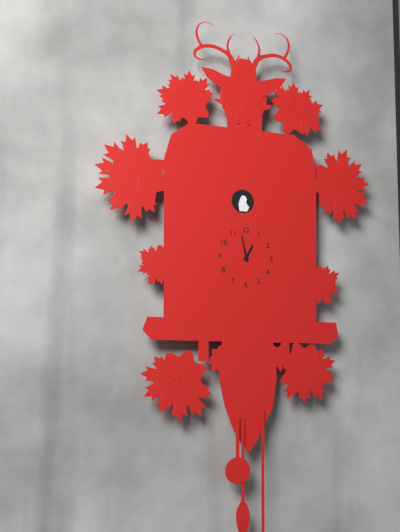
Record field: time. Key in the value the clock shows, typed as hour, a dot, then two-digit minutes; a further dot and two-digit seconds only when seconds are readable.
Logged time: 12.58
